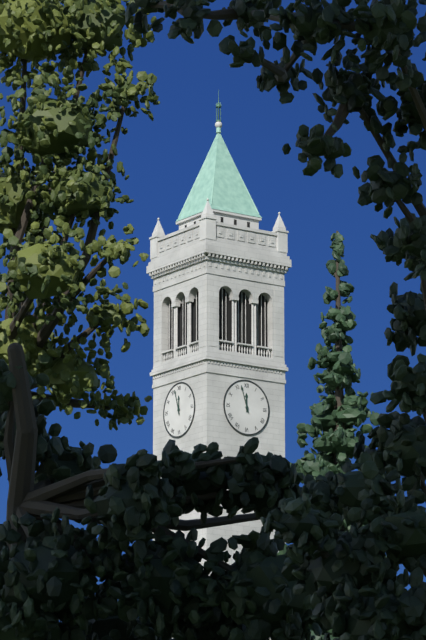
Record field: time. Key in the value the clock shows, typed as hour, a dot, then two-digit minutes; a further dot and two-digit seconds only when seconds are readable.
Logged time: 11.57
